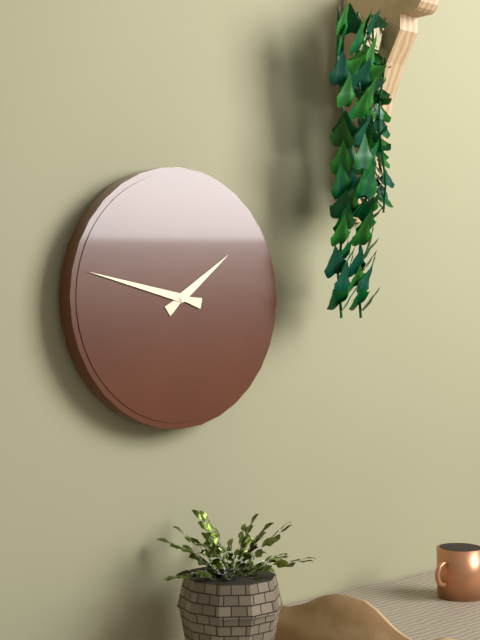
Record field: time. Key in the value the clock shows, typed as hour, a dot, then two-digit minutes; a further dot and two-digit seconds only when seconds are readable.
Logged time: 1.47
